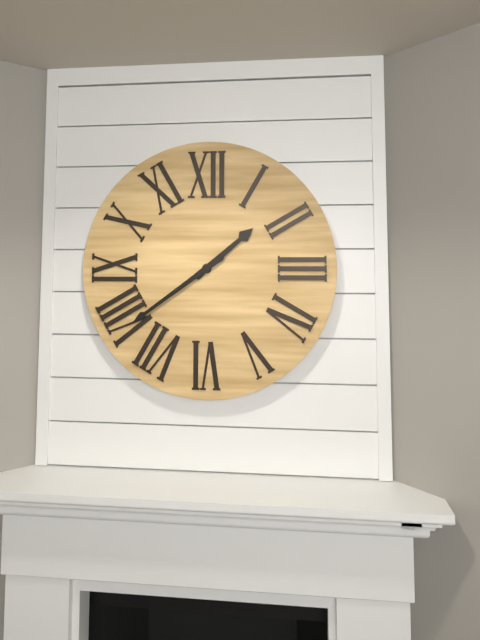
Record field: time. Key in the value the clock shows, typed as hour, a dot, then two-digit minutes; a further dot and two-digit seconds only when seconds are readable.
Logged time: 1.39
